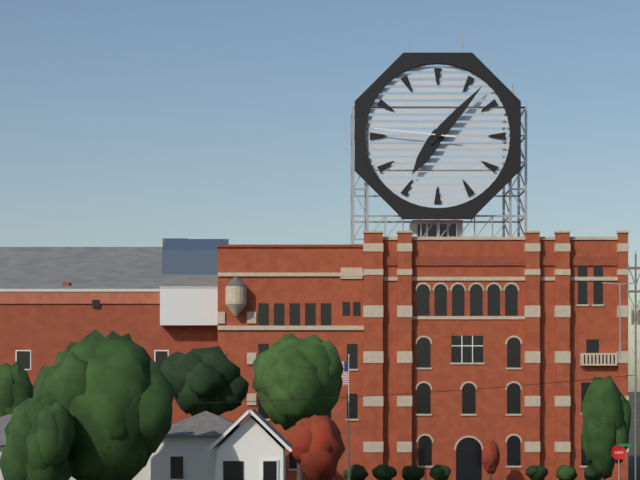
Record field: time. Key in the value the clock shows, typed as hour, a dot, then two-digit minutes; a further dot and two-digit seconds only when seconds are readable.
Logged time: 7.07.46
